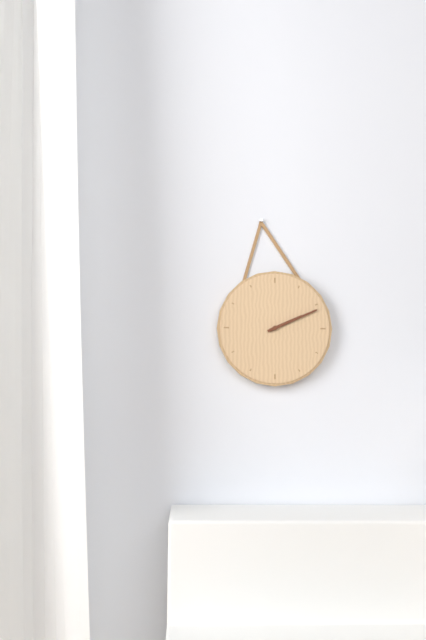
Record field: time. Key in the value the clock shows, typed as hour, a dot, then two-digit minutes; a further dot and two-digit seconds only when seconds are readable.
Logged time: 2.11
